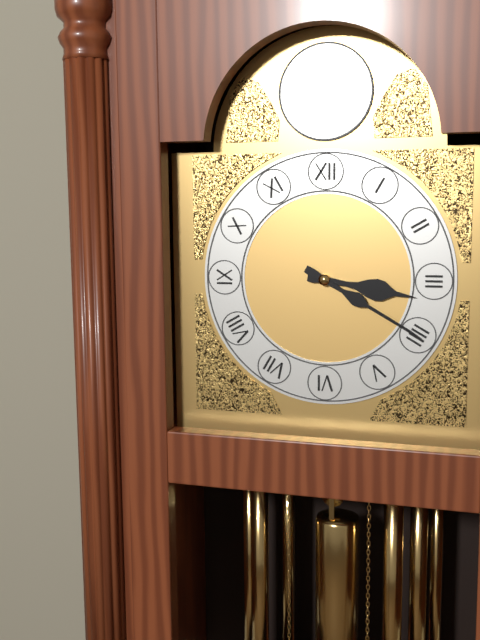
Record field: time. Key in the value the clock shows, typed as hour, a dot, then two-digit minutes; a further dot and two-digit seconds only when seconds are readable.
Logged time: 3.20
